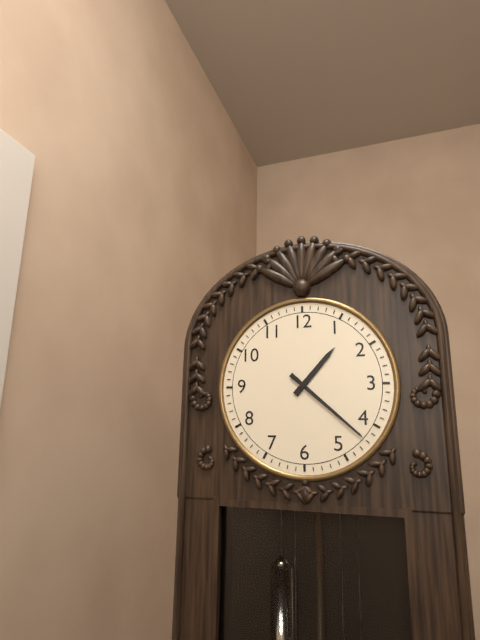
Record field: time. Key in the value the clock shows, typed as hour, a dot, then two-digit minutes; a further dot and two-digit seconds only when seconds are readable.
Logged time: 1.22
